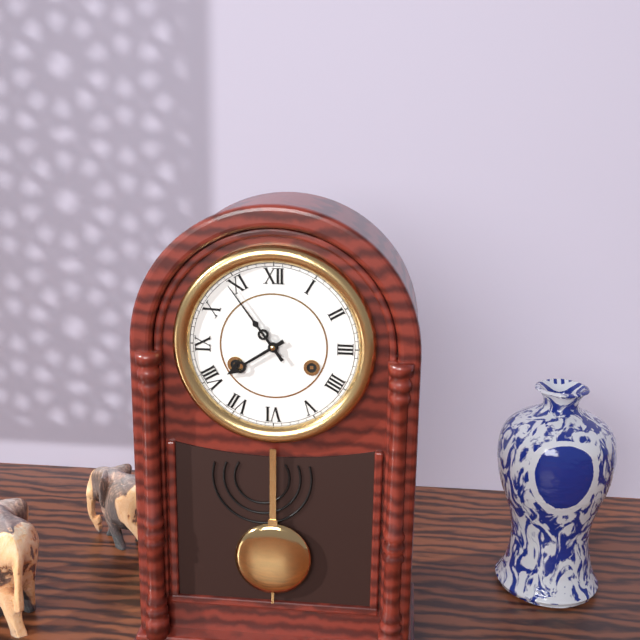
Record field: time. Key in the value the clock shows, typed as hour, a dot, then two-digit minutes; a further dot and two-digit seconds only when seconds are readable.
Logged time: 7.54
